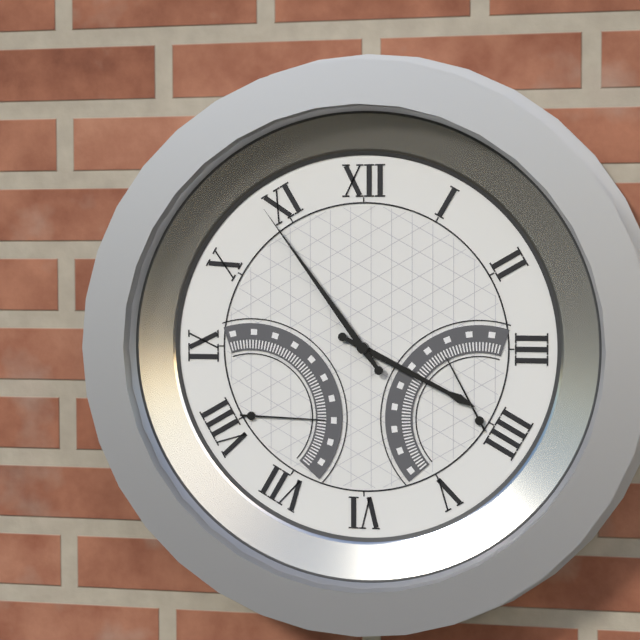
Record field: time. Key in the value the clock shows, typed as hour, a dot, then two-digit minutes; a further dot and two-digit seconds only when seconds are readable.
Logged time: 3.54
